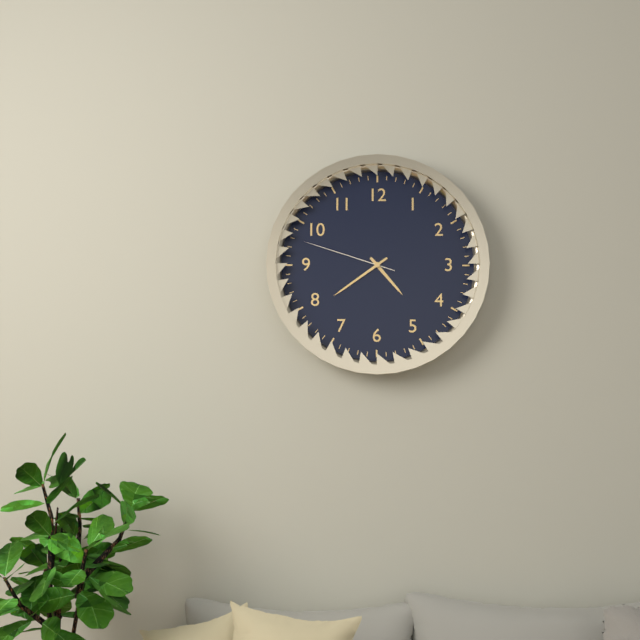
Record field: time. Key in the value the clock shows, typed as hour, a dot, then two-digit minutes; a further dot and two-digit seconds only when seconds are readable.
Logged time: 4.39.48
